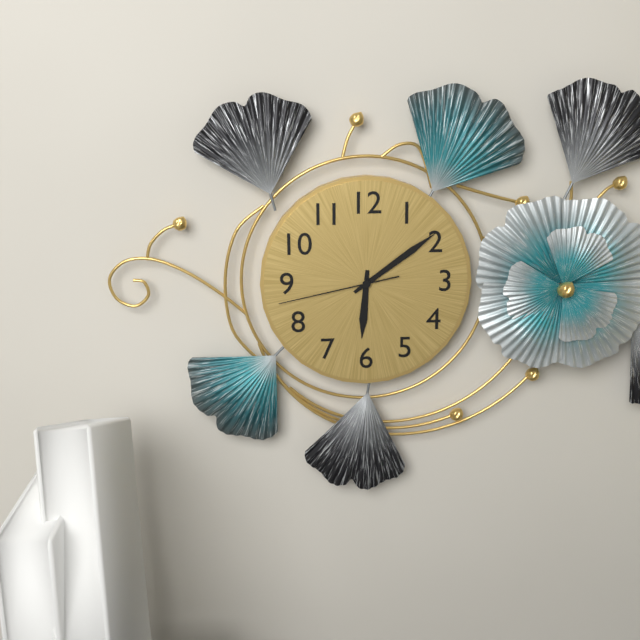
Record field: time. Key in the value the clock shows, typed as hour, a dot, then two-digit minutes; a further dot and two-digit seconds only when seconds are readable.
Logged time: 6.09.43
